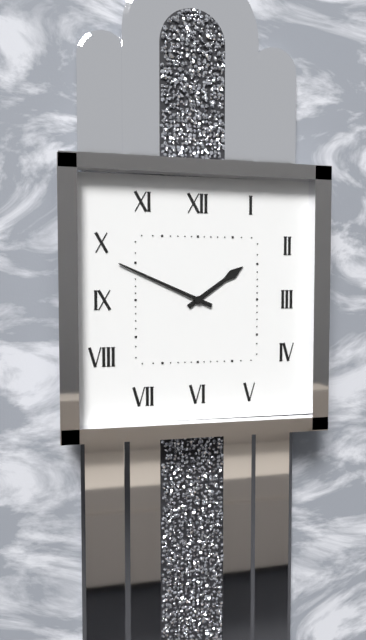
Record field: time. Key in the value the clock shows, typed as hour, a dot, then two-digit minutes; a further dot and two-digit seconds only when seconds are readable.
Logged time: 1.49
